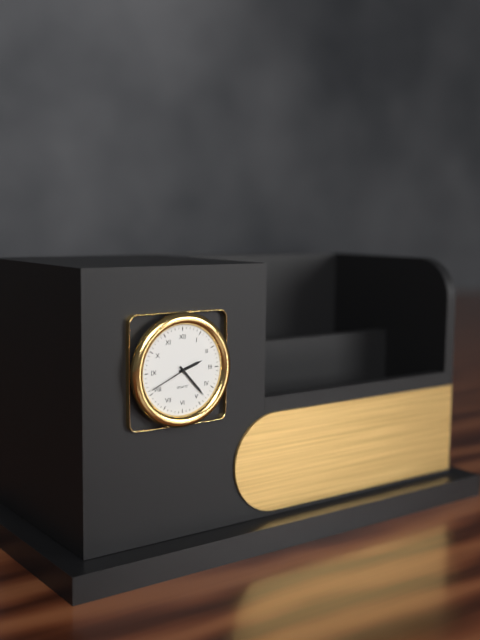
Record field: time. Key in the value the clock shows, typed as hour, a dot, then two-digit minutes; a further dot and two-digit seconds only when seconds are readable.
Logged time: 2.23
